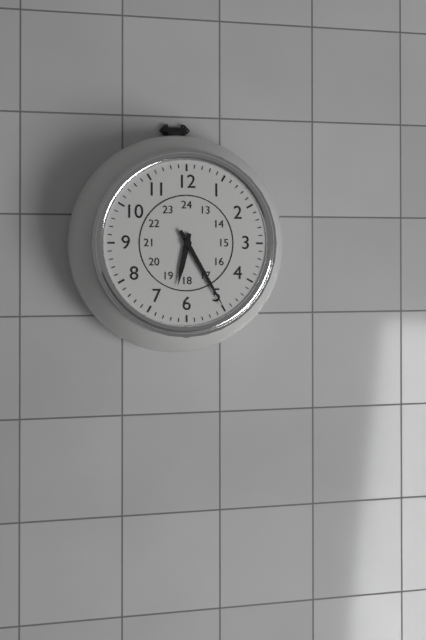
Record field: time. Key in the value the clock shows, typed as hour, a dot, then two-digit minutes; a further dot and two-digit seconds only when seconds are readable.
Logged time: 6.25
